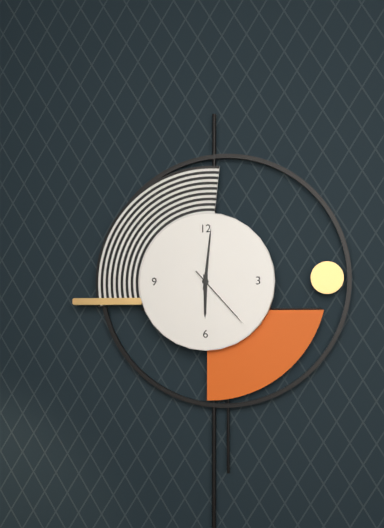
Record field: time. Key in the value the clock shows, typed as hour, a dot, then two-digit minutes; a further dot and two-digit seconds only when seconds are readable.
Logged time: 6.01.23
